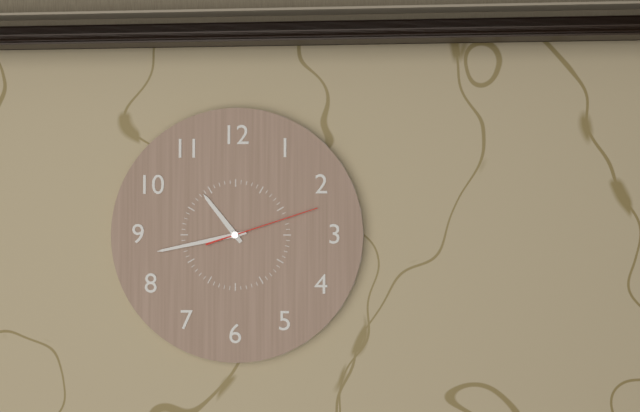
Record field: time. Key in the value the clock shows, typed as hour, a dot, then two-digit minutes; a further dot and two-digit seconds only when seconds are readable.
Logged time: 10.43.12
